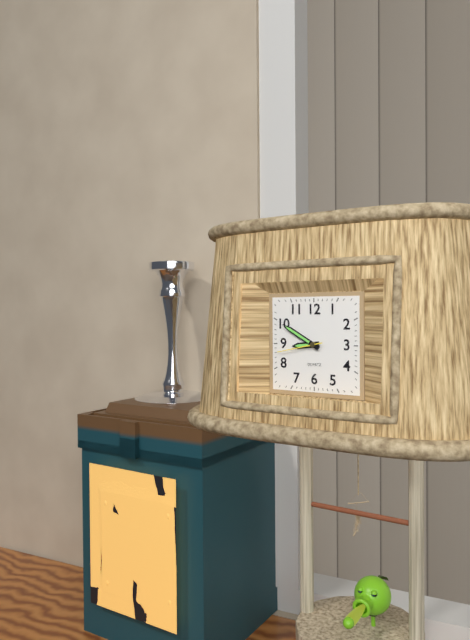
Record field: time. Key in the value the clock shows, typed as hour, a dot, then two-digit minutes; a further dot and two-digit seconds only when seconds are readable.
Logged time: 8.50
